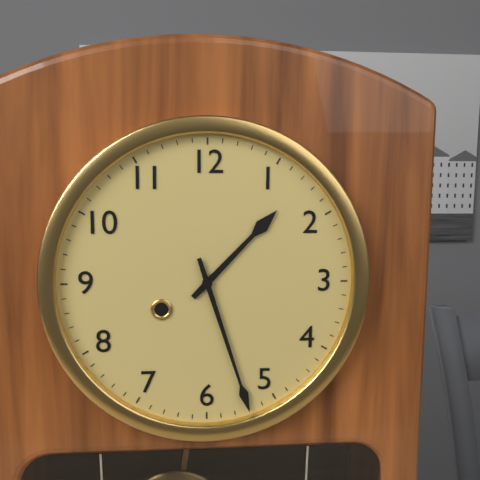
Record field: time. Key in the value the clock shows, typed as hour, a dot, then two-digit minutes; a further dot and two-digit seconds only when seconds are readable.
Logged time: 1.27
